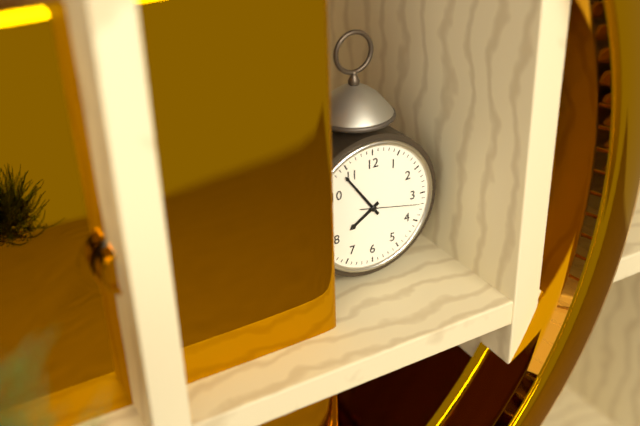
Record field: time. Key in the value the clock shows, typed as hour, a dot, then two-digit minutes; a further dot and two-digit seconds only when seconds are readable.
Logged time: 7.54.17
